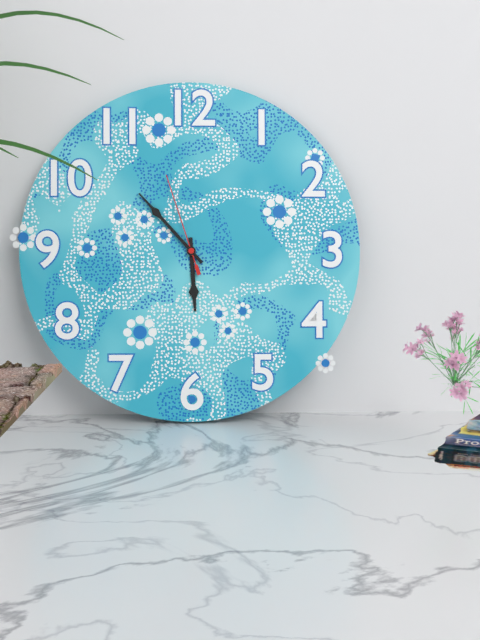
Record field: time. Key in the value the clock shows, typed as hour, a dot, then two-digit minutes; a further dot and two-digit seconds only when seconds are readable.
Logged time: 5.53.57
